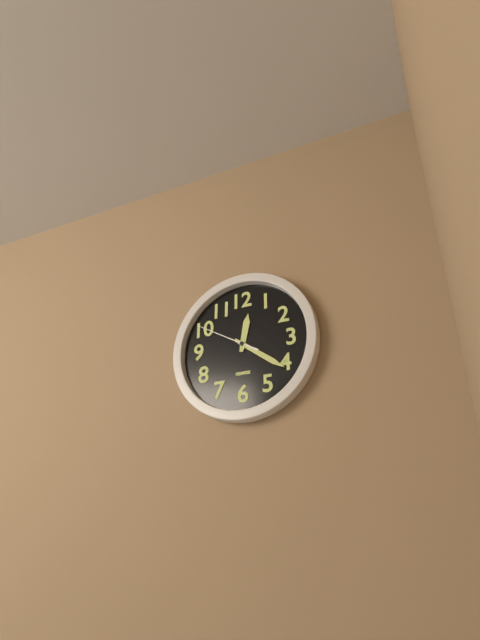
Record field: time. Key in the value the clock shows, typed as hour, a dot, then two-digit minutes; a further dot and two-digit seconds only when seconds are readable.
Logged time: 12.21.50
